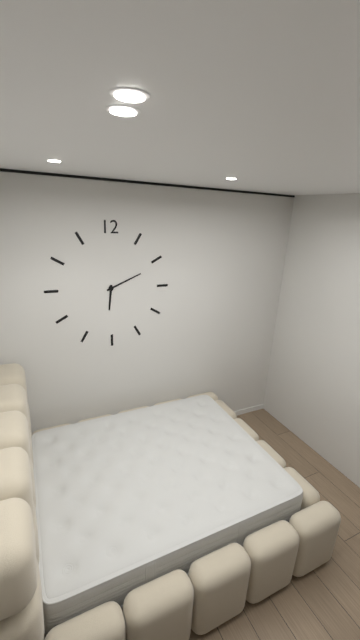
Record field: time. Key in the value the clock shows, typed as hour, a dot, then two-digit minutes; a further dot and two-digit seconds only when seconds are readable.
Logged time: 6.11
